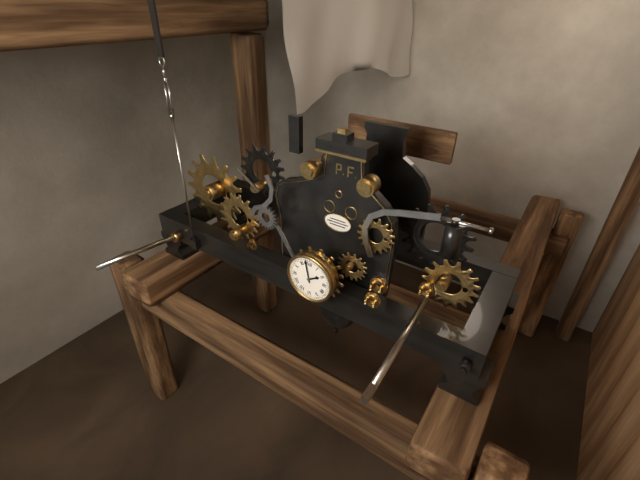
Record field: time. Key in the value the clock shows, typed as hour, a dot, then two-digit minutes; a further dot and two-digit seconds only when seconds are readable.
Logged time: 1.58
